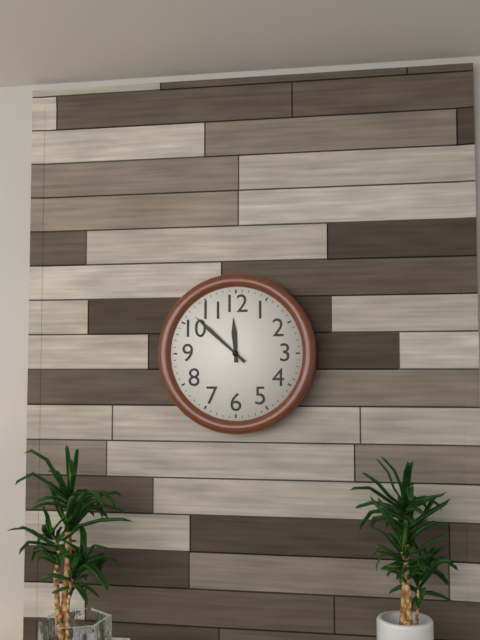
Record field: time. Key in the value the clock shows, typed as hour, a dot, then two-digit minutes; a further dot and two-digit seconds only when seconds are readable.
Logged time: 11.52
